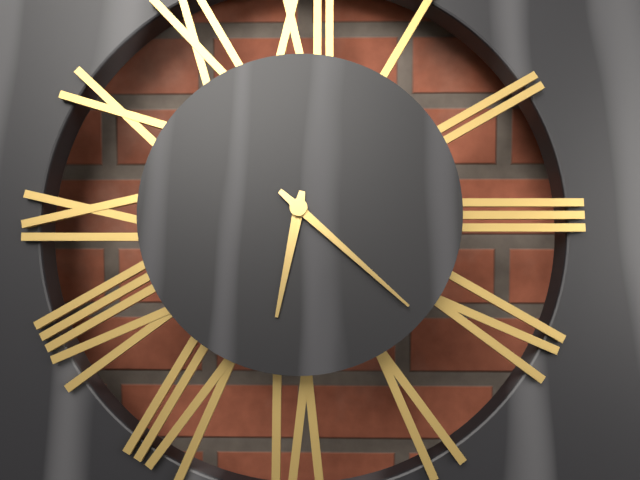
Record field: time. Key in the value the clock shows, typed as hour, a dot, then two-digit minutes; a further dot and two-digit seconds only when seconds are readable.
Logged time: 6.22
